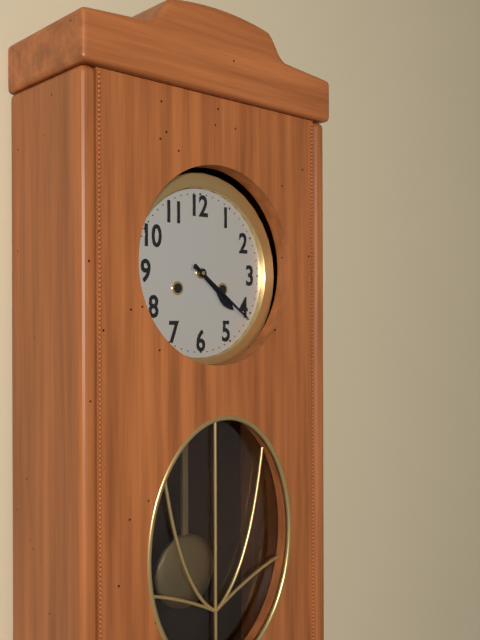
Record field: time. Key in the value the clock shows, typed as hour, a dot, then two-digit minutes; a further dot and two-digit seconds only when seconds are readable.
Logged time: 4.21
